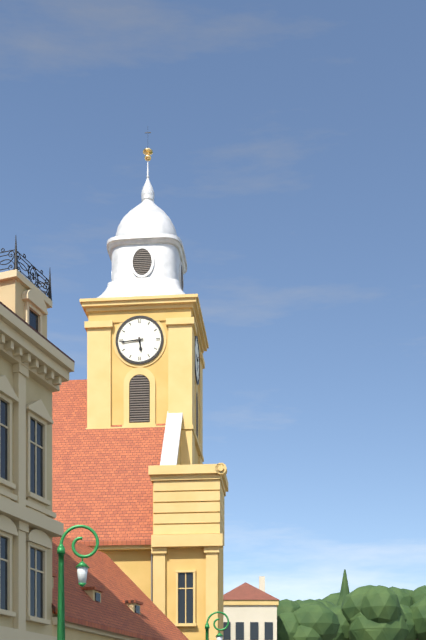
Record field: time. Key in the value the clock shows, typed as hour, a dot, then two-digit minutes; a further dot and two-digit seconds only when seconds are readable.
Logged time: 5.44
